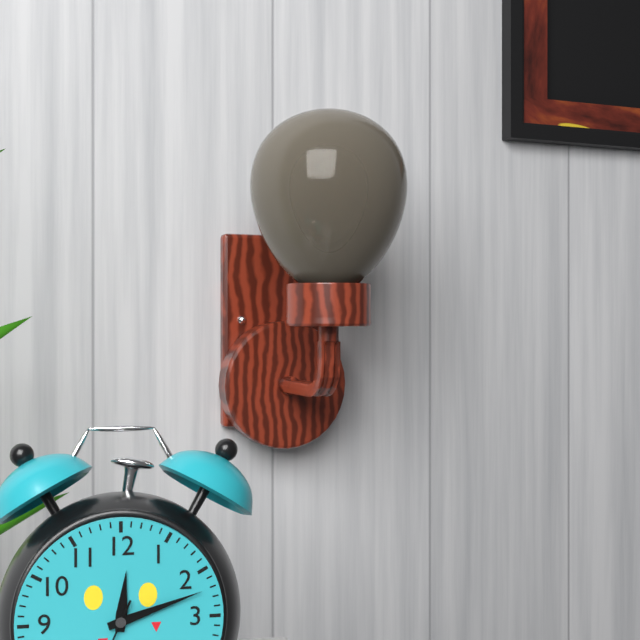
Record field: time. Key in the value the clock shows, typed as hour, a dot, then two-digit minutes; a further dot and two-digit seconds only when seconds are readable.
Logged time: 12.12
